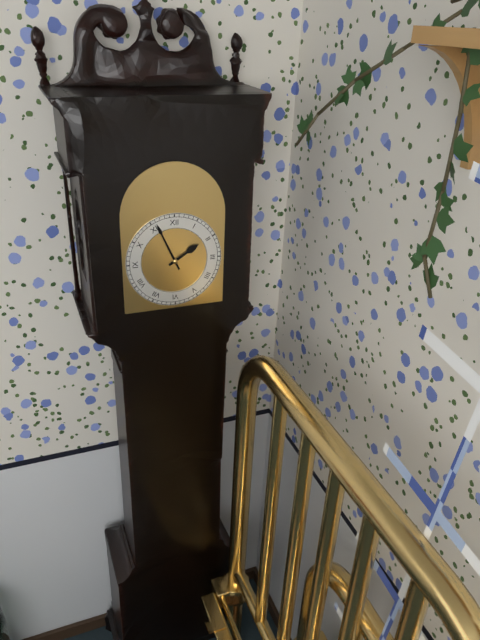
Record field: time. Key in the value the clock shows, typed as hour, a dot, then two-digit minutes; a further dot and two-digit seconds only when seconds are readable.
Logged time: 1.56
